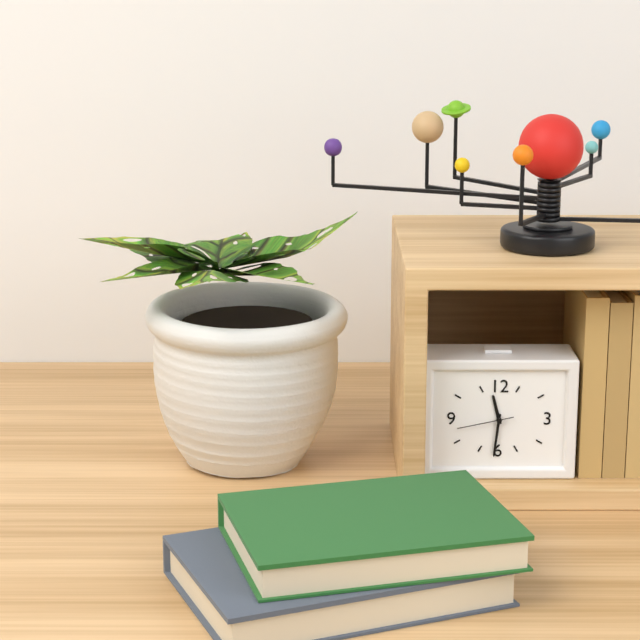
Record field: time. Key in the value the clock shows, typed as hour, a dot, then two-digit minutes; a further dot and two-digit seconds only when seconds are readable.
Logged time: 11.31.43
